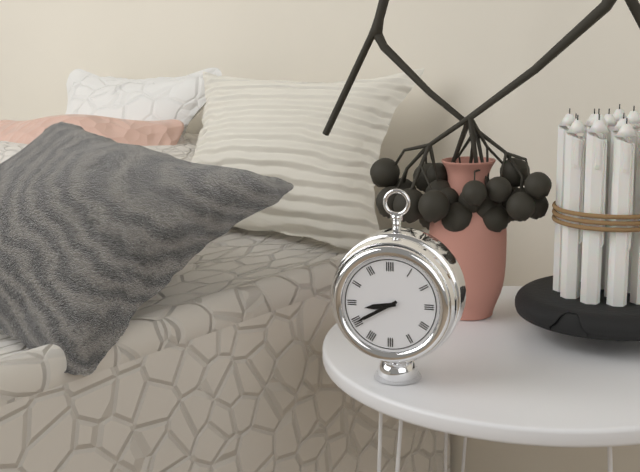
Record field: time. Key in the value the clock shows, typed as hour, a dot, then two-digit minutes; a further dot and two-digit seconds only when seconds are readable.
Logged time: 8.40
